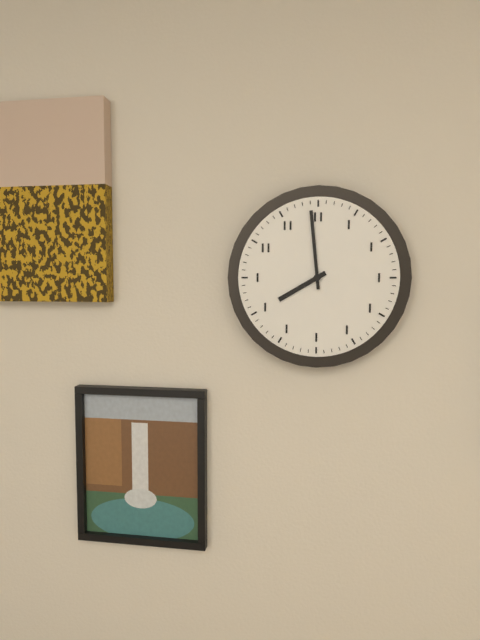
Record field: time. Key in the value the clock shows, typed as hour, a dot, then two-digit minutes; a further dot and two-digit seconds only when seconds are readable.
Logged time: 7.59
